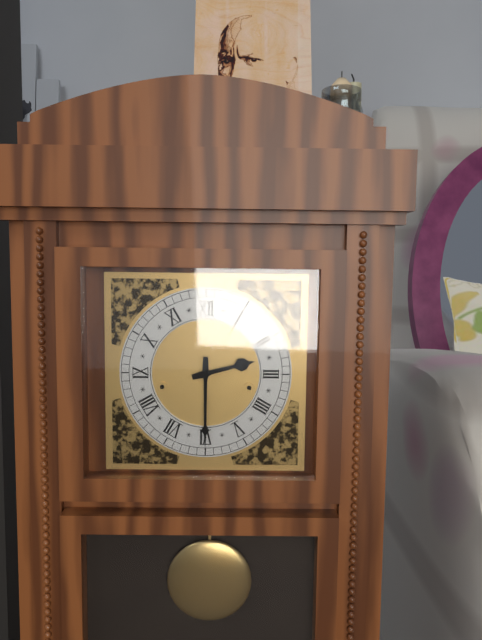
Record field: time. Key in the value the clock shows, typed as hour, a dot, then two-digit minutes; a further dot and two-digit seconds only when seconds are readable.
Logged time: 2.30
